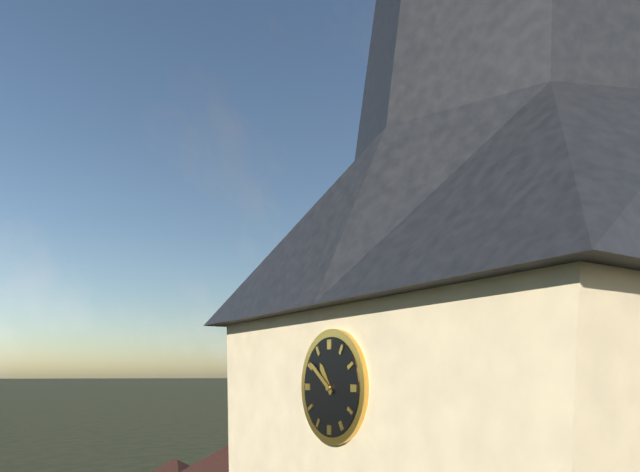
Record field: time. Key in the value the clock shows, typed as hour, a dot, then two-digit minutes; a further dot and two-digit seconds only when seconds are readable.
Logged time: 10.51
